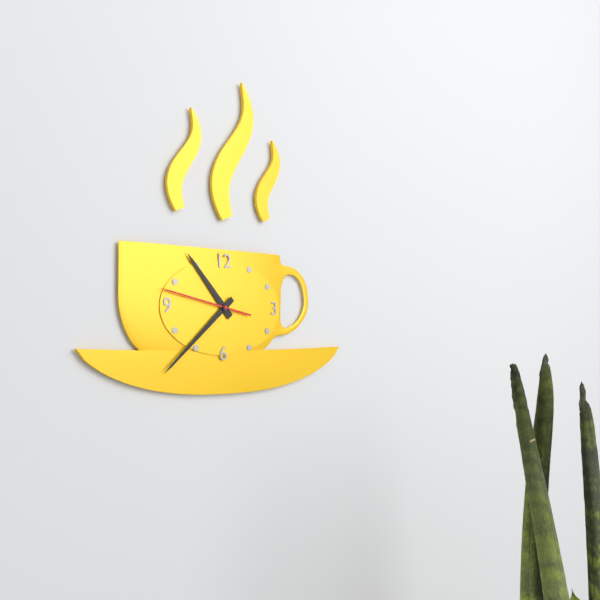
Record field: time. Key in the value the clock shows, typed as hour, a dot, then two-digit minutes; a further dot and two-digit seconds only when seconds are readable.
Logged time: 10.38.47
